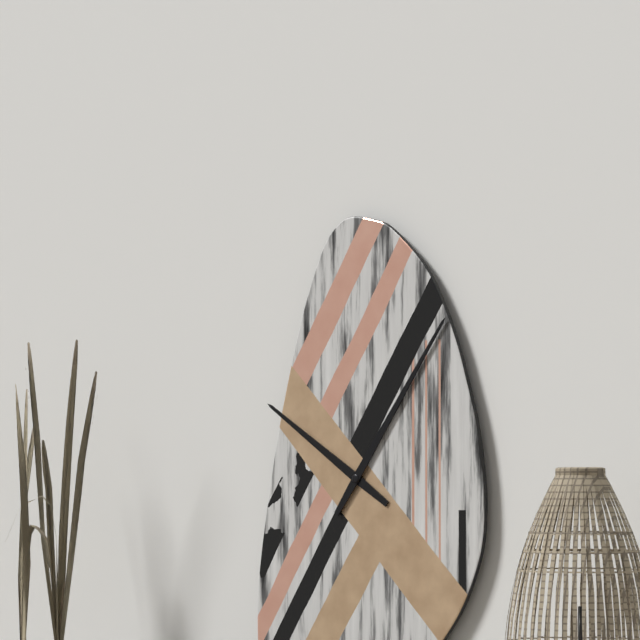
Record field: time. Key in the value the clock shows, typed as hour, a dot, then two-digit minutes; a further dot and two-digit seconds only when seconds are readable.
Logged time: 10.06
